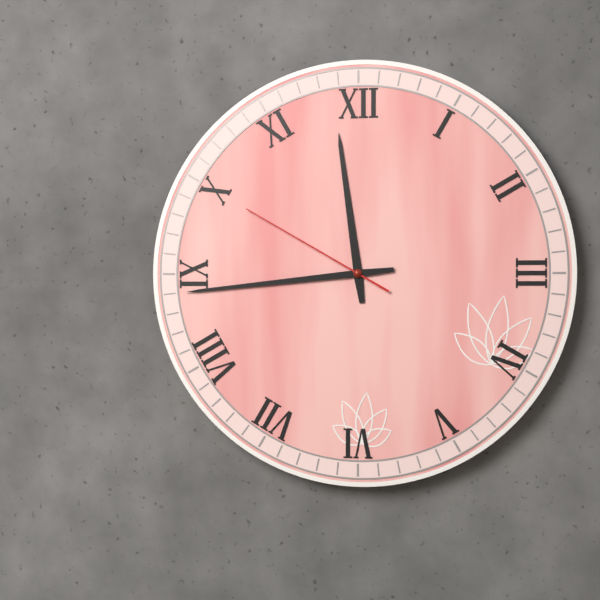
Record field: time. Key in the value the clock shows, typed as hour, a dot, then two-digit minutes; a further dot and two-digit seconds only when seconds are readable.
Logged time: 11.44.50
